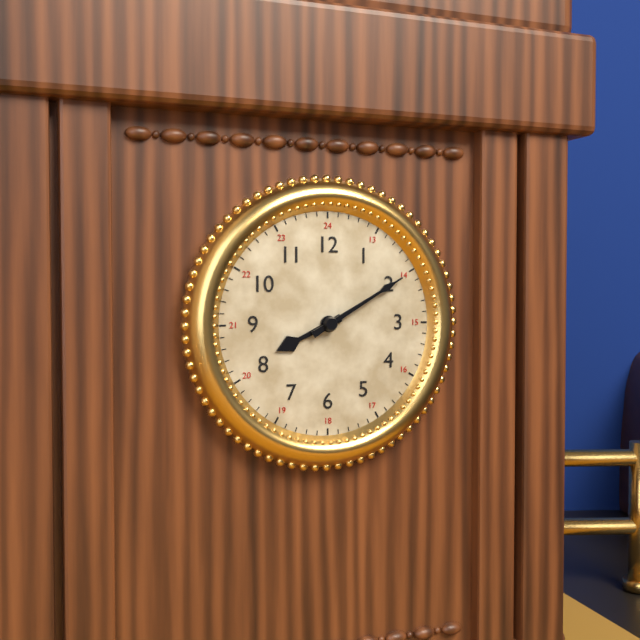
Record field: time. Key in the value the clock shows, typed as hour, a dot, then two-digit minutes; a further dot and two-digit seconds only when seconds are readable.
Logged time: 8.10
